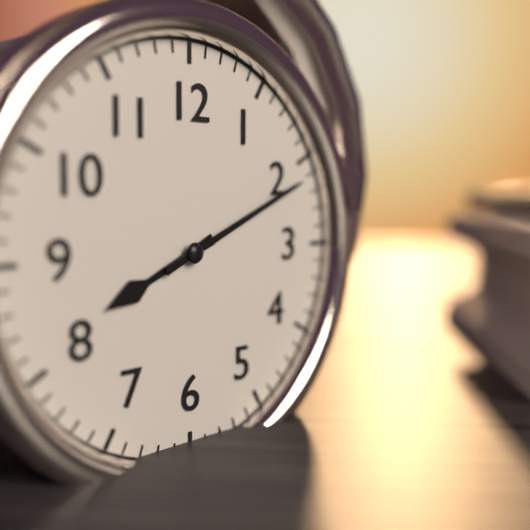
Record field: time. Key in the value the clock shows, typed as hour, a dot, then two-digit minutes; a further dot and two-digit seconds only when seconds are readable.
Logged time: 8.11
